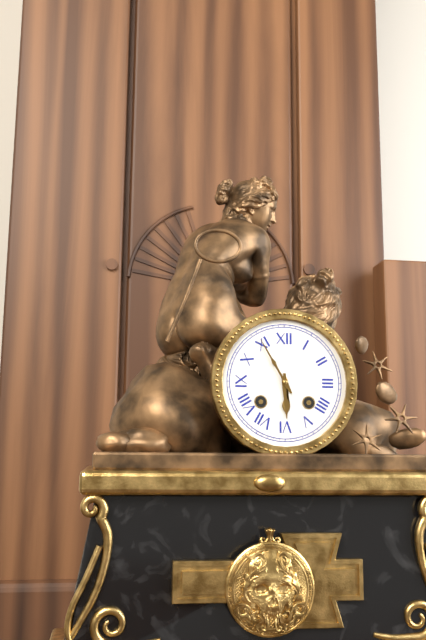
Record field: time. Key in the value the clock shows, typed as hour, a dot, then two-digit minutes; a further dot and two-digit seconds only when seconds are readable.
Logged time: 5.55
